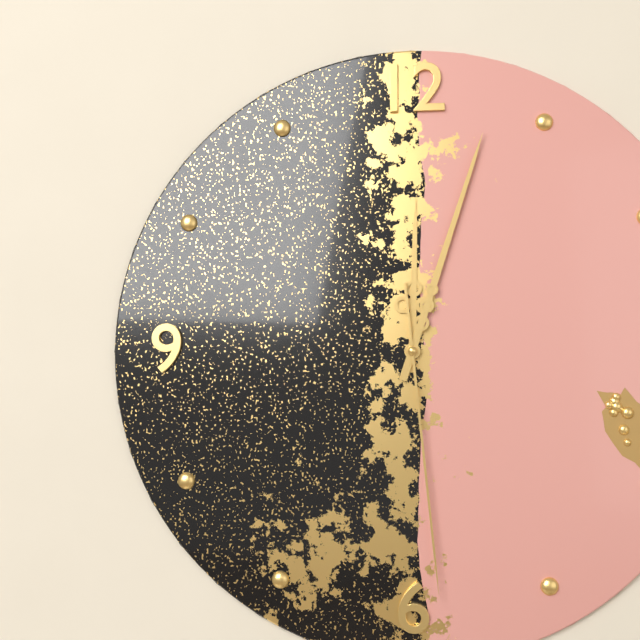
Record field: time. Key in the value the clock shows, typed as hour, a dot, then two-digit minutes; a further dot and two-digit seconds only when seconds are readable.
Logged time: 12.03.29
